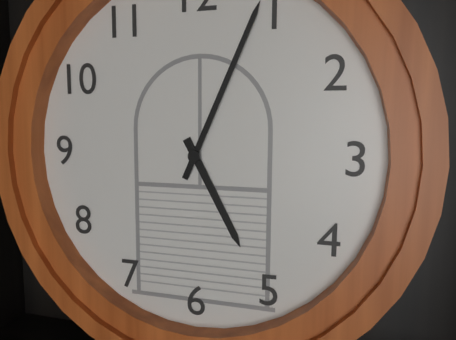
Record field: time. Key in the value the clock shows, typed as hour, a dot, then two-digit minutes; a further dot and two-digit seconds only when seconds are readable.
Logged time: 5.04
